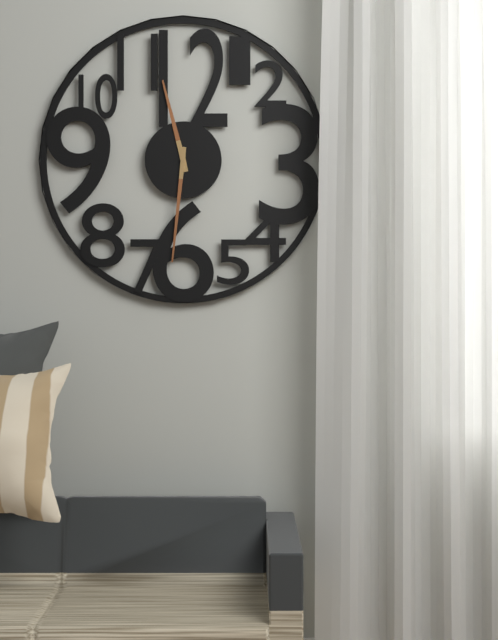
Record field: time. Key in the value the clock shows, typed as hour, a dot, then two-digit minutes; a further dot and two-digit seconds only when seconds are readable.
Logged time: 11.31
